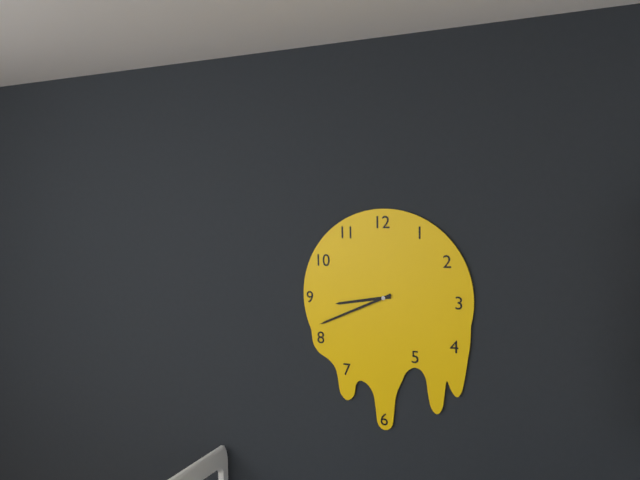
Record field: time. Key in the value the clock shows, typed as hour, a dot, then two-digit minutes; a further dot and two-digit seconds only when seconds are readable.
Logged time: 8.41
